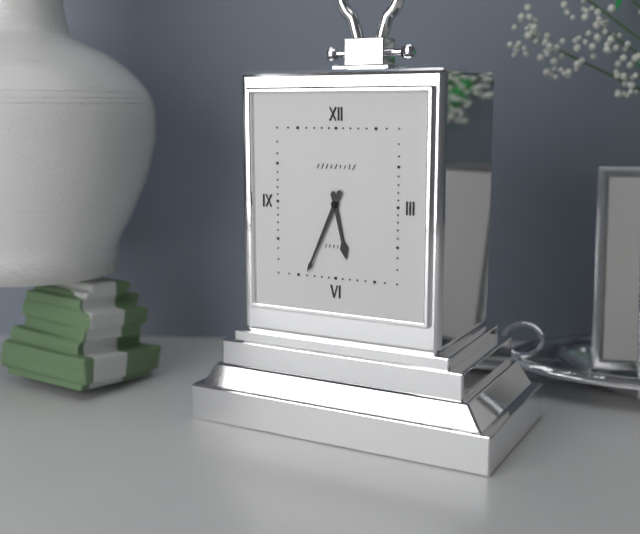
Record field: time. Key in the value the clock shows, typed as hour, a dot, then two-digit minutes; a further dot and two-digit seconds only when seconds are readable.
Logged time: 5.34
